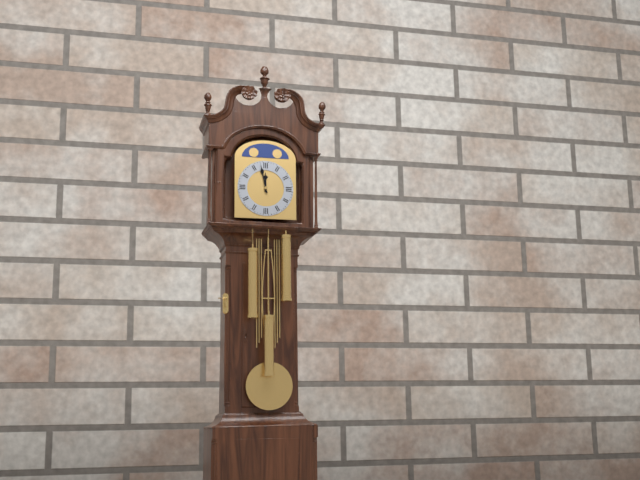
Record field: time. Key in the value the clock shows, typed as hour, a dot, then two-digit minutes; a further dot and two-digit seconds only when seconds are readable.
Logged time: 11.58
